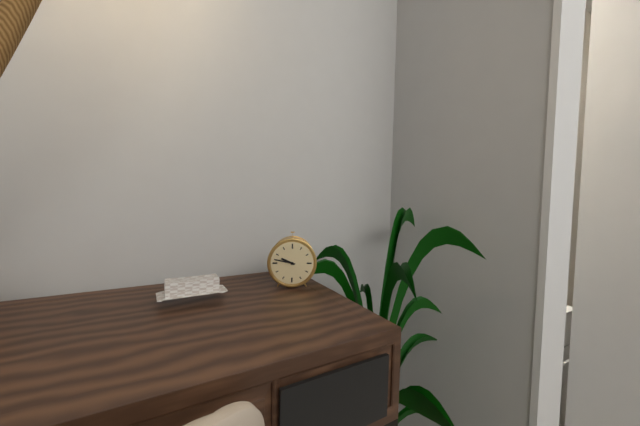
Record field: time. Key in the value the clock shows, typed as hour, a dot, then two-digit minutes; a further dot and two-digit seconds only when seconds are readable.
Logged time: 9.47
